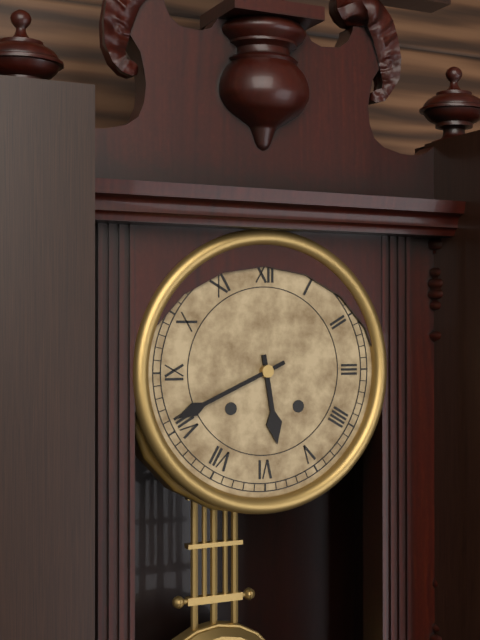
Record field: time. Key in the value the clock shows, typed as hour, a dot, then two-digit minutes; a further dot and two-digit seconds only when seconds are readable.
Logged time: 5.41
